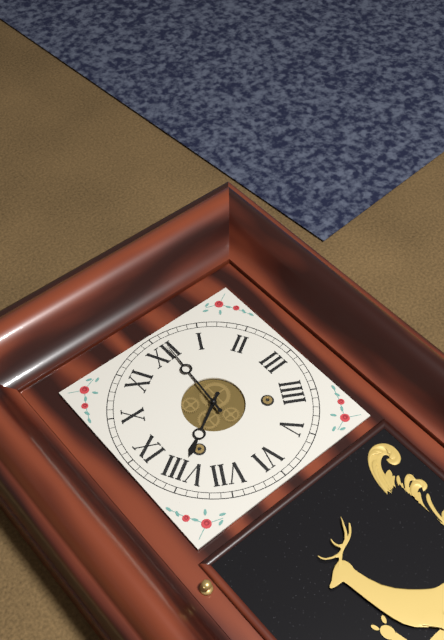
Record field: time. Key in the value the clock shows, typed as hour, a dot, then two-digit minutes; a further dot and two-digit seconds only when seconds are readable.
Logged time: 8.01
